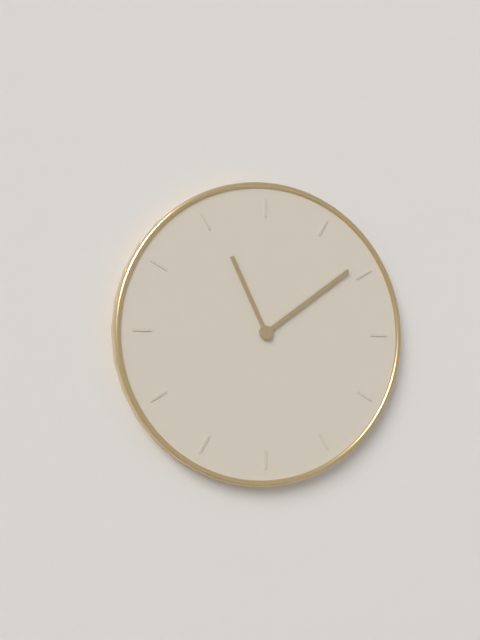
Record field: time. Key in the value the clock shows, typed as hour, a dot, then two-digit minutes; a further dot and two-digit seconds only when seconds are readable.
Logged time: 11.09
